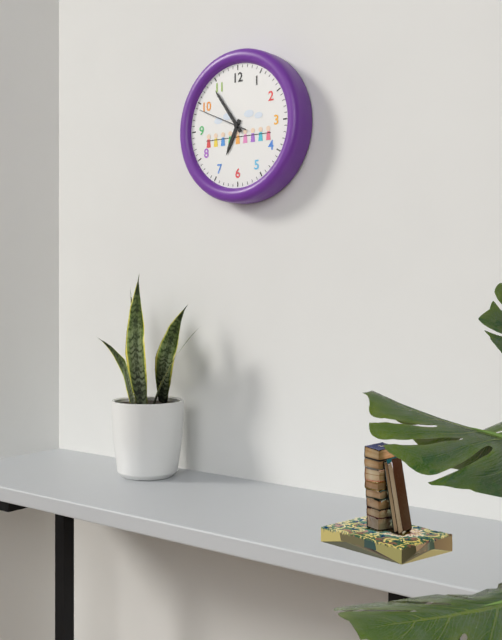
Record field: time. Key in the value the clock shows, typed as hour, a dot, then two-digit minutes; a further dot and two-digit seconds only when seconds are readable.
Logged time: 6.54.49
